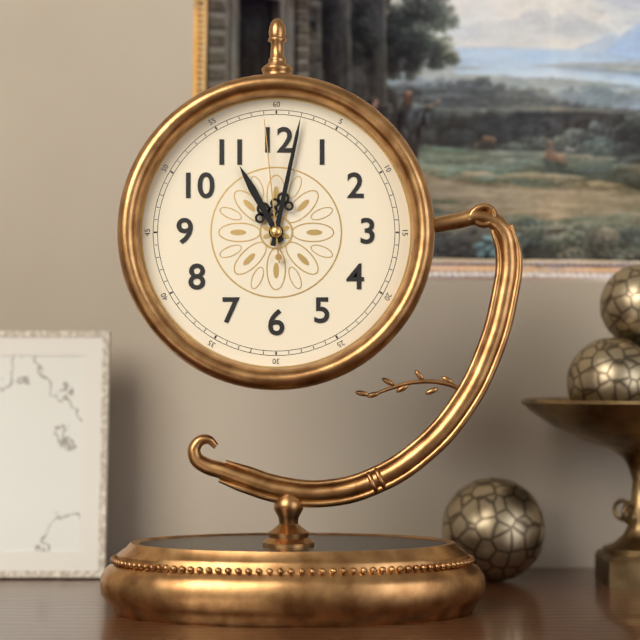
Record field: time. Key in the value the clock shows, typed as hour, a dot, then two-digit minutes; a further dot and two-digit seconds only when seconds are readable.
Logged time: 11.02.59
